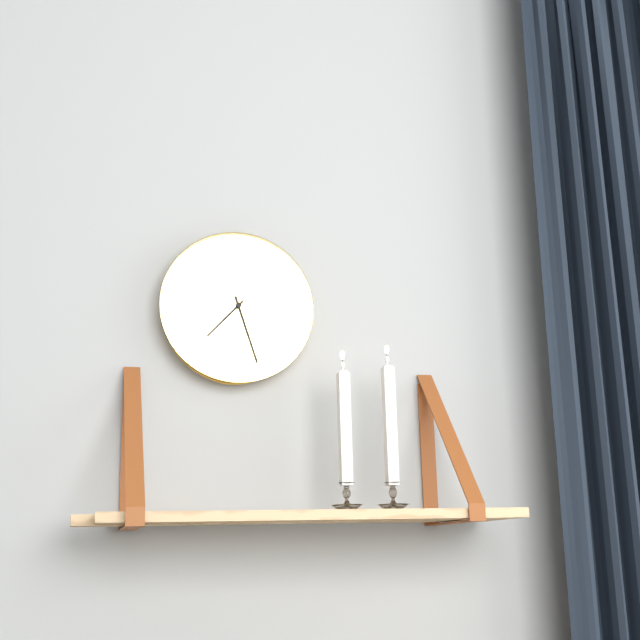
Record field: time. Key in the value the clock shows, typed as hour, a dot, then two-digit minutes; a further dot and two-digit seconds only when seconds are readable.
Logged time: 7.27
